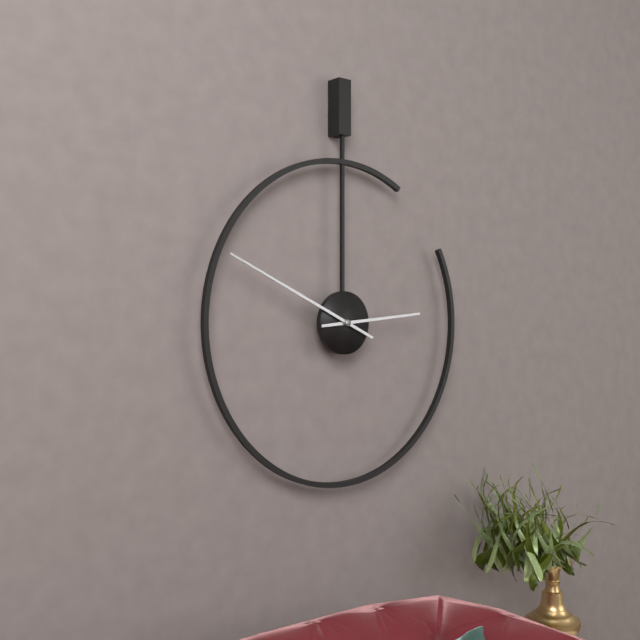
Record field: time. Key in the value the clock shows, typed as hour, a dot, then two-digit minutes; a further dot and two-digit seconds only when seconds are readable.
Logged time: 2.49
